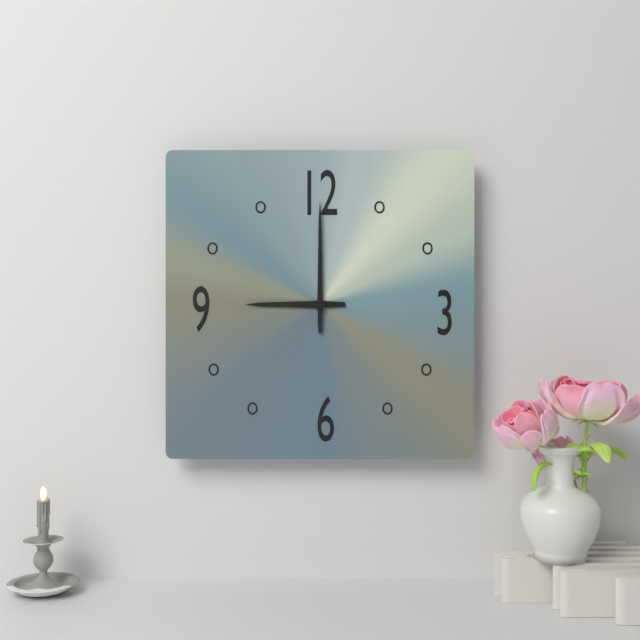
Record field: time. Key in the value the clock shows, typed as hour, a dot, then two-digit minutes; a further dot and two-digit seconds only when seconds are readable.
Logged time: 9.00
